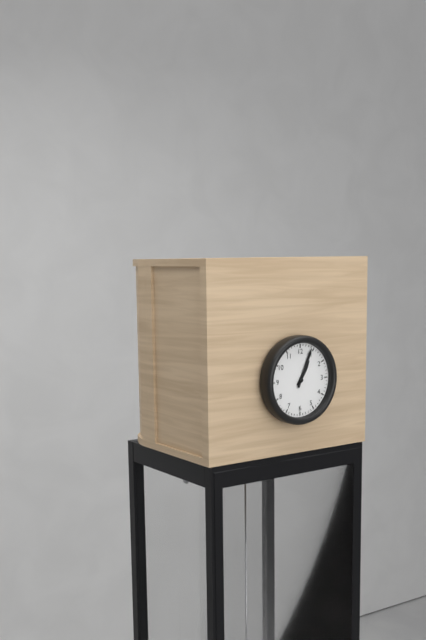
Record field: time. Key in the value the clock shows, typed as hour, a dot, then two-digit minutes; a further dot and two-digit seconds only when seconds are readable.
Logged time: 1.04
